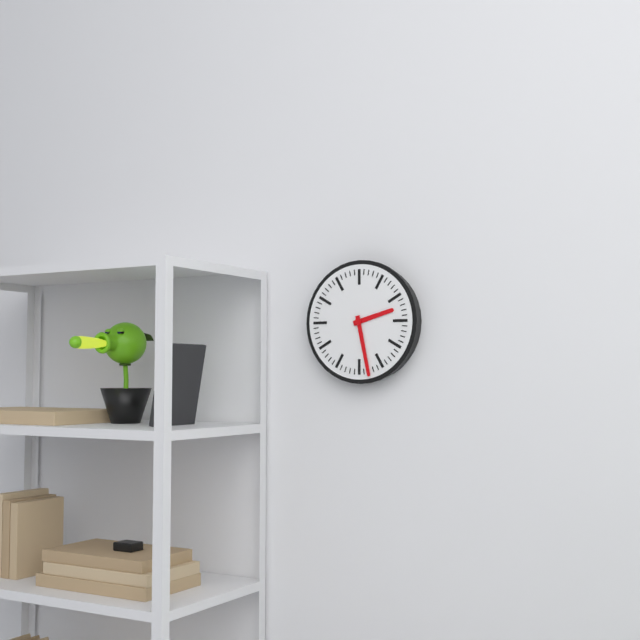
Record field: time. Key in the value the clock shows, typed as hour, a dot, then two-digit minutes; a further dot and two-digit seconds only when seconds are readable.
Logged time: 2.28
